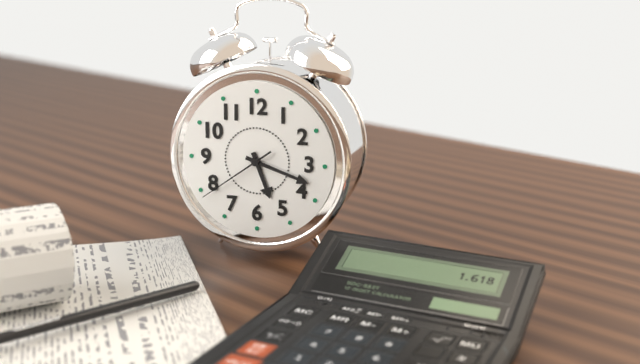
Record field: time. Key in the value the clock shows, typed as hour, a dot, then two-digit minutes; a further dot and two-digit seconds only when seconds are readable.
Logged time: 5.18.39
